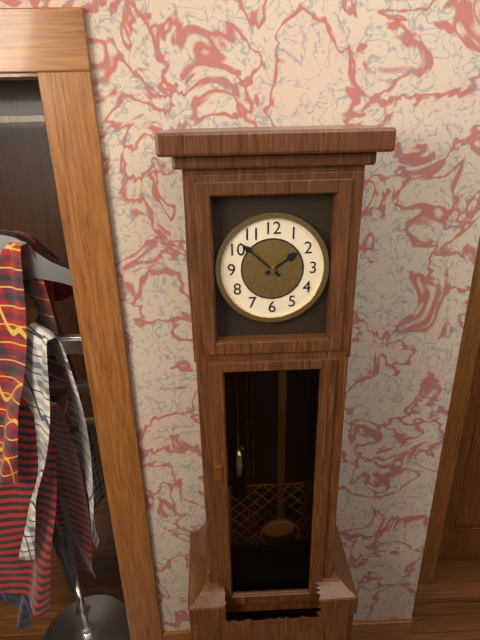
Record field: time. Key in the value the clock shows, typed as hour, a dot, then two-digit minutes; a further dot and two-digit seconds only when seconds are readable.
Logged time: 1.52
